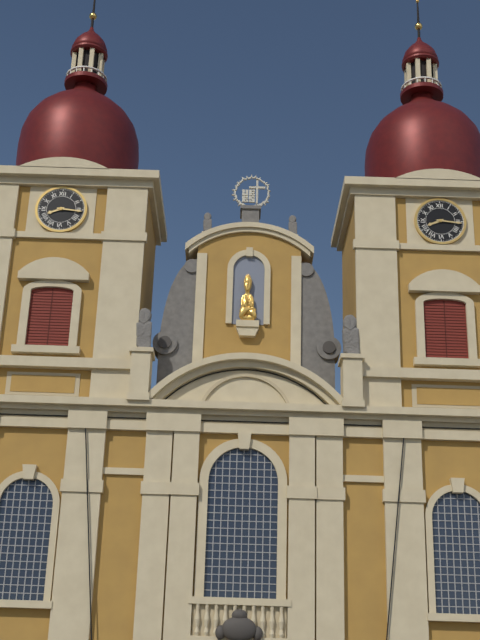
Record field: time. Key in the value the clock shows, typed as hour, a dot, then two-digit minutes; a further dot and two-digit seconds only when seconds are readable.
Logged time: 8.16
